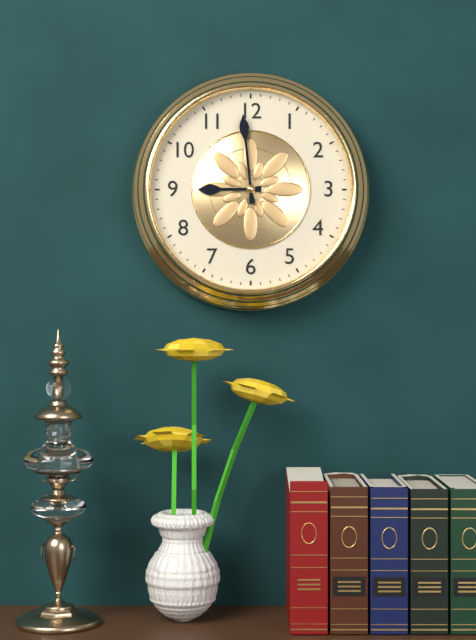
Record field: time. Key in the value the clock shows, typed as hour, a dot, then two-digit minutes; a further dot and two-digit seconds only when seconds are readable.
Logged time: 8.59
